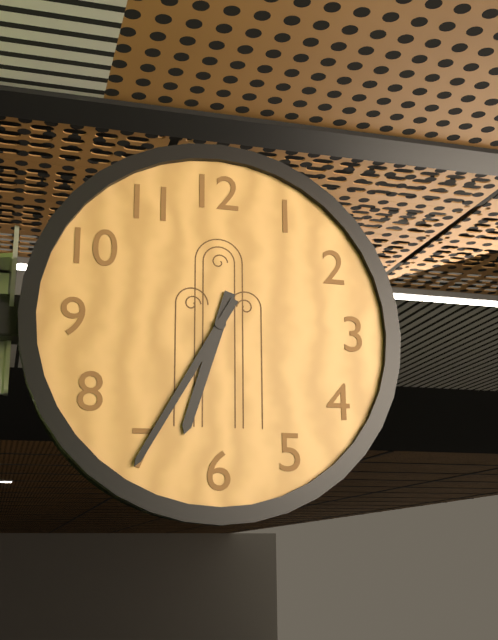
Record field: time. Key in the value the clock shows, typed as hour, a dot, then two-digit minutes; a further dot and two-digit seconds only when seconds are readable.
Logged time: 6.35
